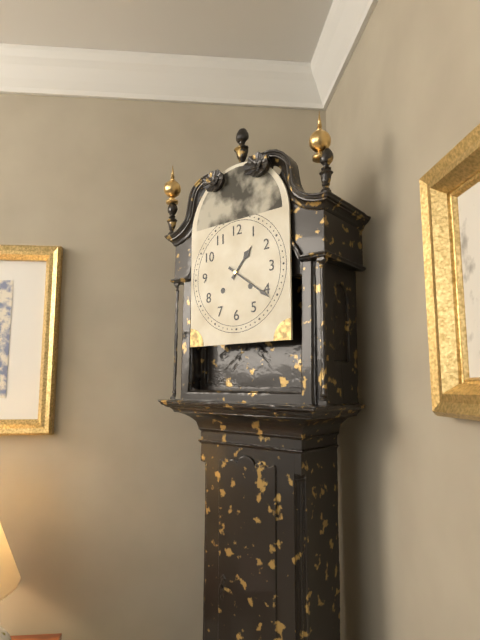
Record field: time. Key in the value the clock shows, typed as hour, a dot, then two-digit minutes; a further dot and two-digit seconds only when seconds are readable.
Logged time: 1.21
